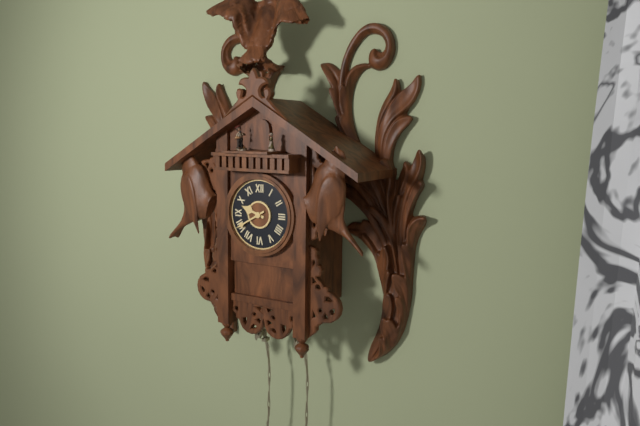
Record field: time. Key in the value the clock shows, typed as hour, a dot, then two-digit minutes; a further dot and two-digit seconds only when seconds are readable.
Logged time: 9.40
